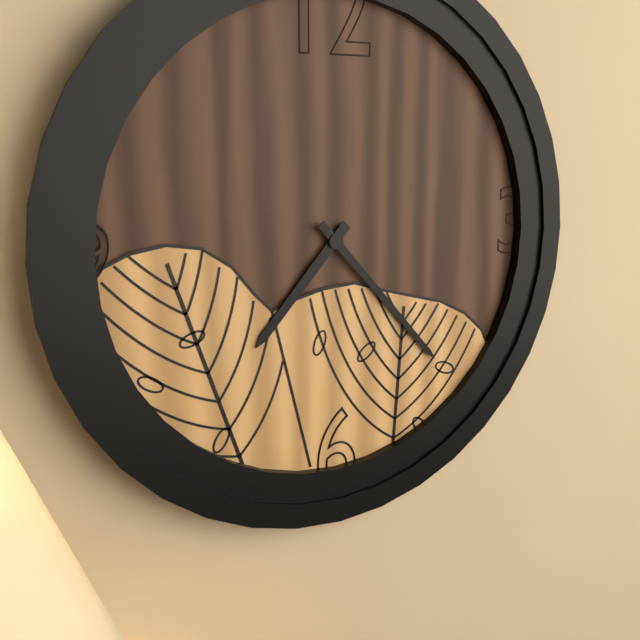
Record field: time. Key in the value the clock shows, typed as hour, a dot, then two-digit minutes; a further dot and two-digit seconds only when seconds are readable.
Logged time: 7.23
